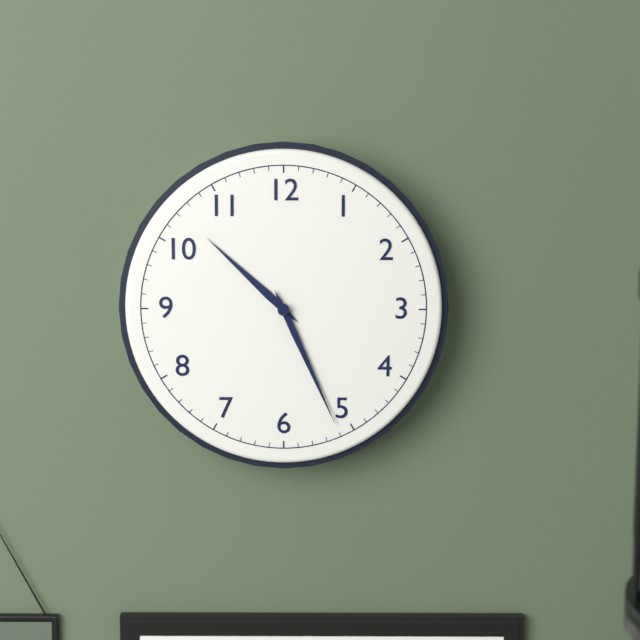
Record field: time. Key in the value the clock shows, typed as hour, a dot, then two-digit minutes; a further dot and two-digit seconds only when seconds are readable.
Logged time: 10.26
